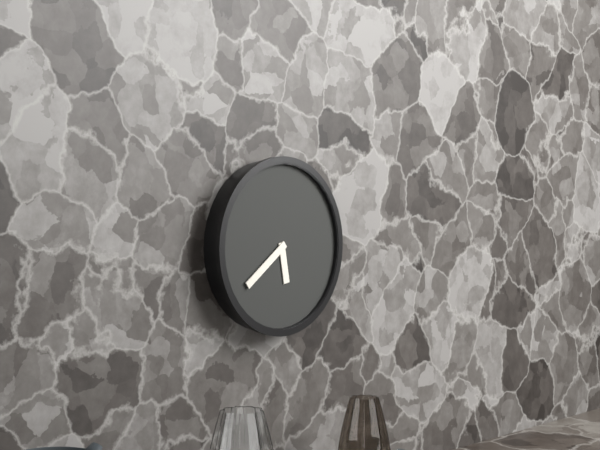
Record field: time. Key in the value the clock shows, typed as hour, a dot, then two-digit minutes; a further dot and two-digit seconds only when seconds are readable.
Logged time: 5.39
